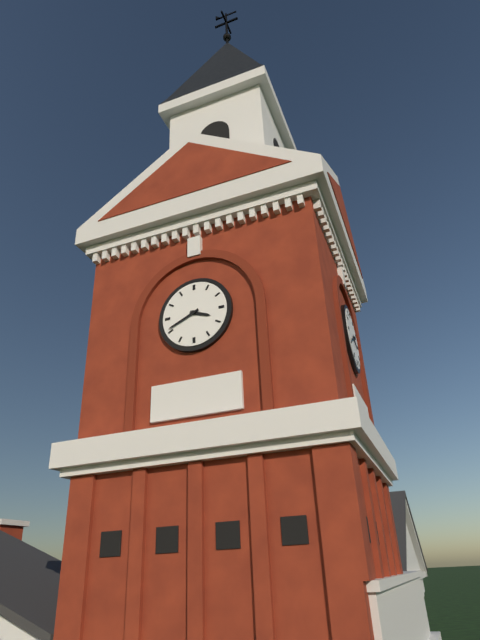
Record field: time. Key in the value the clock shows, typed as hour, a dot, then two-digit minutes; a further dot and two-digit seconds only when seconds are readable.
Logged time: 3.41
